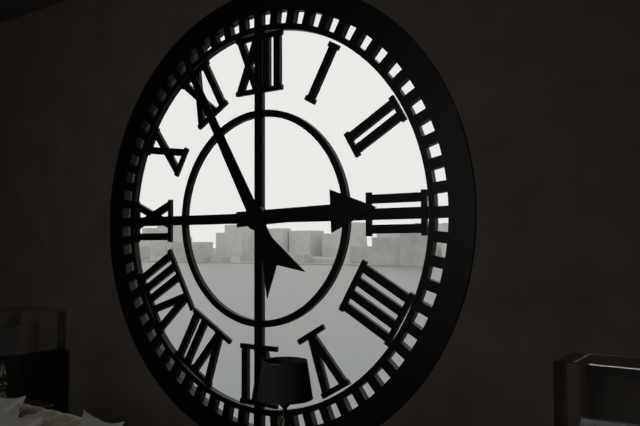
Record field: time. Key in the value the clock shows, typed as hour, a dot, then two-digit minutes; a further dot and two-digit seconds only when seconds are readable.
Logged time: 2.55
